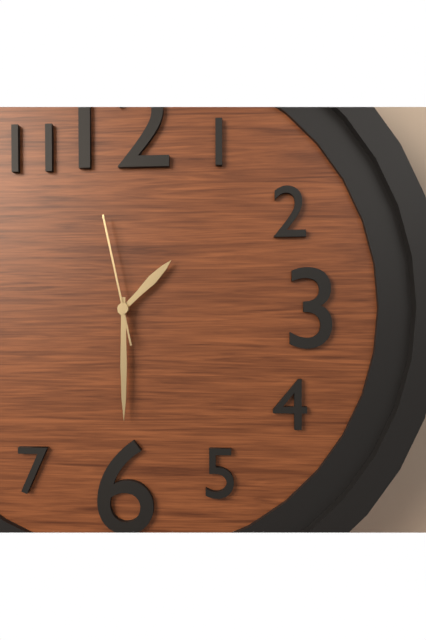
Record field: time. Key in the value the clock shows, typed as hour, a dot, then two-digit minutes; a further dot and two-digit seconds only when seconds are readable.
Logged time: 1.30.58
